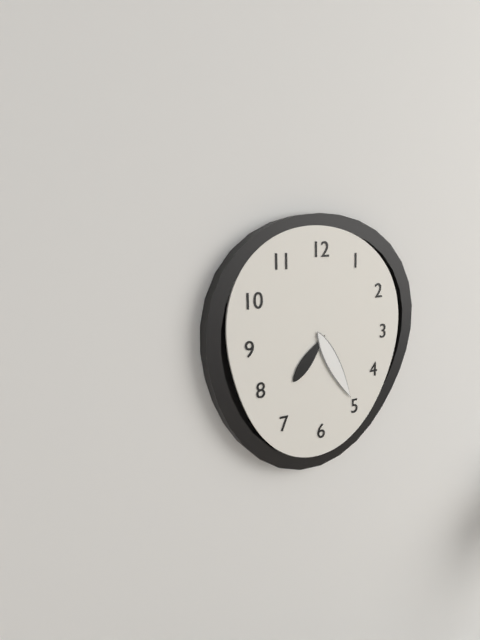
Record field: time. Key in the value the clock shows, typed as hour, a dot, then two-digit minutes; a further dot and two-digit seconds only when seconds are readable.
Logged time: 7.25
